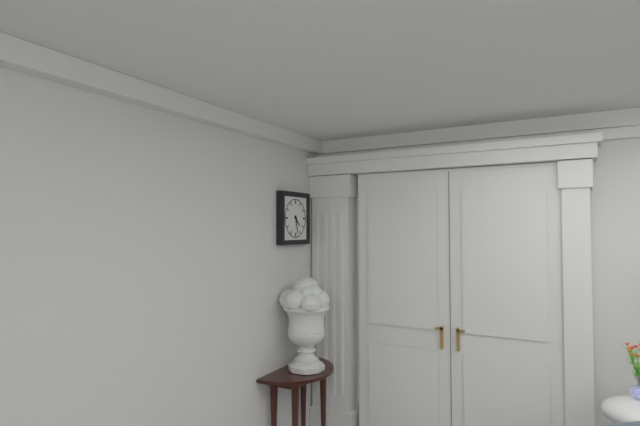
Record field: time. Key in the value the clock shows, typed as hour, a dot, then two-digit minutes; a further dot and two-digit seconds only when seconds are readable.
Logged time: 4.28
